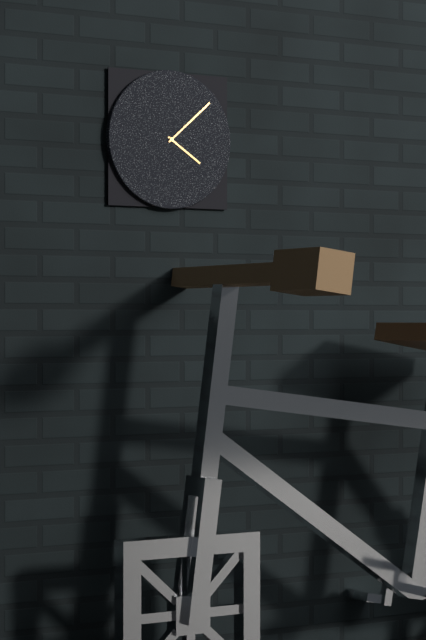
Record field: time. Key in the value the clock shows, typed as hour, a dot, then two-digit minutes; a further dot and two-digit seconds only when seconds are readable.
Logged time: 4.08
